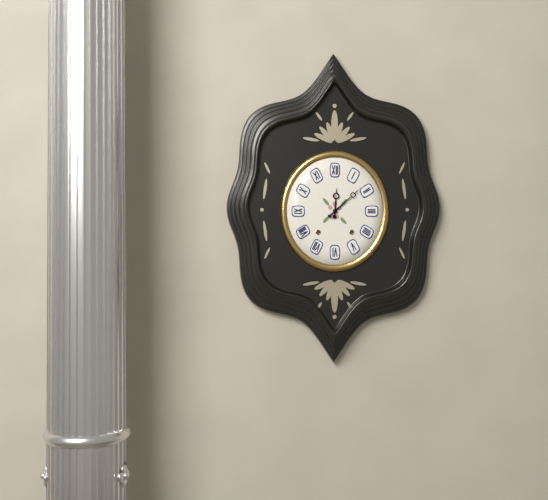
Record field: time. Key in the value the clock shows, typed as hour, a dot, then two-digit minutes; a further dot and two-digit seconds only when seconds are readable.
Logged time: 12.08
